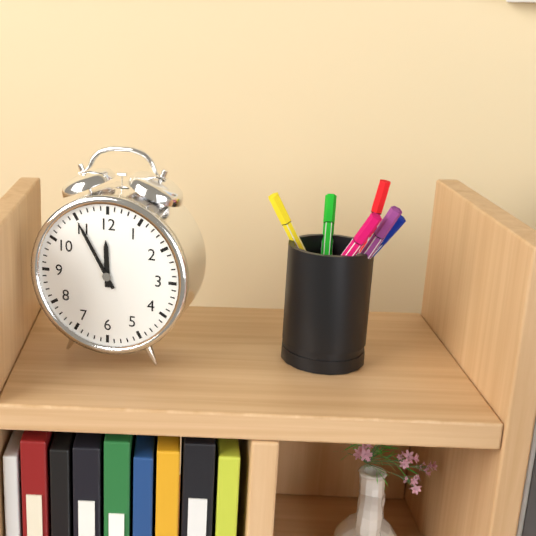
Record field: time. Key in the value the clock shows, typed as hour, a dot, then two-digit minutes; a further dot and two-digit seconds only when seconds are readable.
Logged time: 11.55
